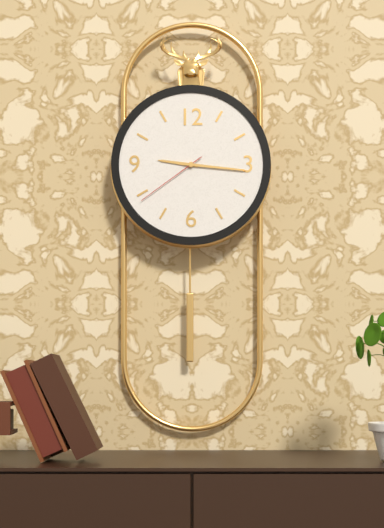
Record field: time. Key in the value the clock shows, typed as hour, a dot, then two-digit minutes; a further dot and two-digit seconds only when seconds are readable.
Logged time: 9.16.39
